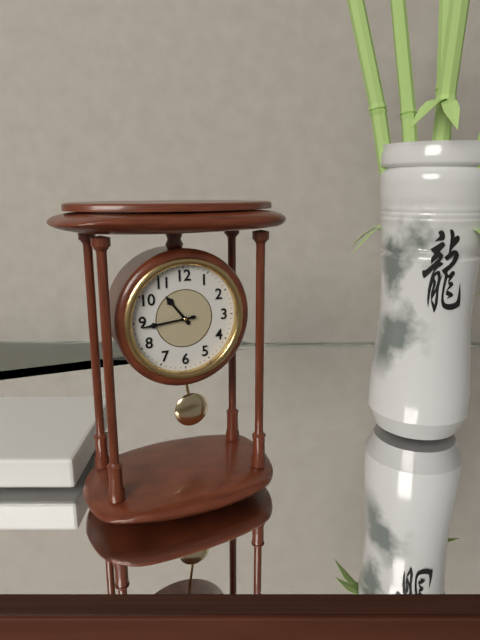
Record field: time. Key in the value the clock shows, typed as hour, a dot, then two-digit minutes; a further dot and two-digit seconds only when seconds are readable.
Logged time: 10.44
